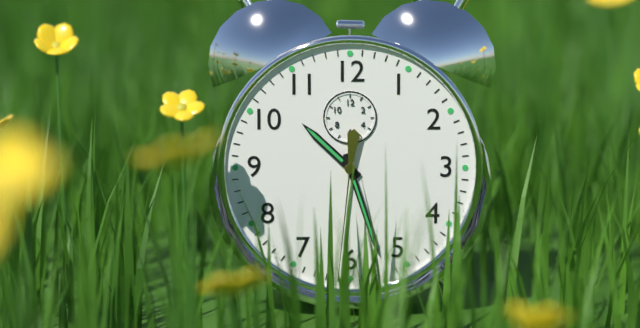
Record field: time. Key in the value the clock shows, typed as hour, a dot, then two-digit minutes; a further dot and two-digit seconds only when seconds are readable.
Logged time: 10.27.31
